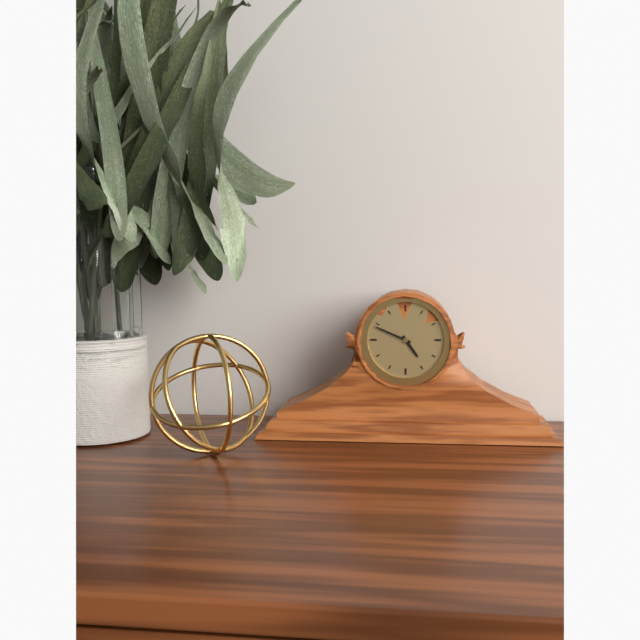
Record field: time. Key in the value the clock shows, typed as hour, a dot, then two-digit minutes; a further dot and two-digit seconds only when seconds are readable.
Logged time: 4.49
